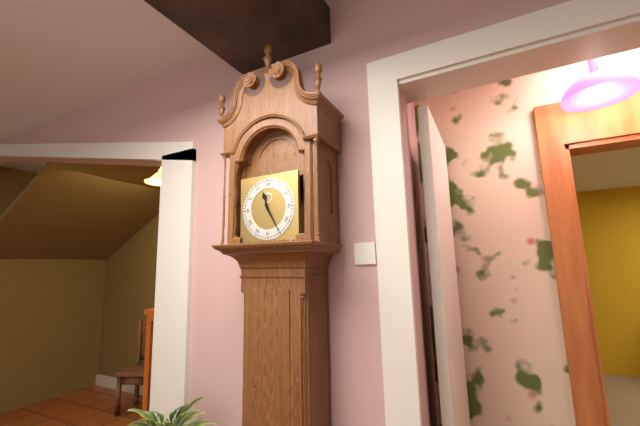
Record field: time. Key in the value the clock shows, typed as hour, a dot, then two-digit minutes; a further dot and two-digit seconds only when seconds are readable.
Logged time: 11.25
